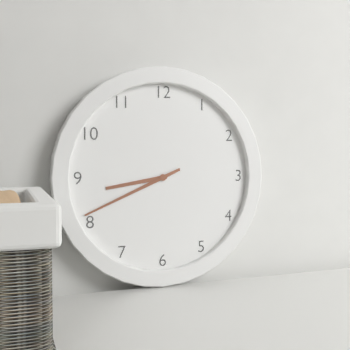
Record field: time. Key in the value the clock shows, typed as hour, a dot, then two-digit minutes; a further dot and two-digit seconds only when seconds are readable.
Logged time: 8.41
